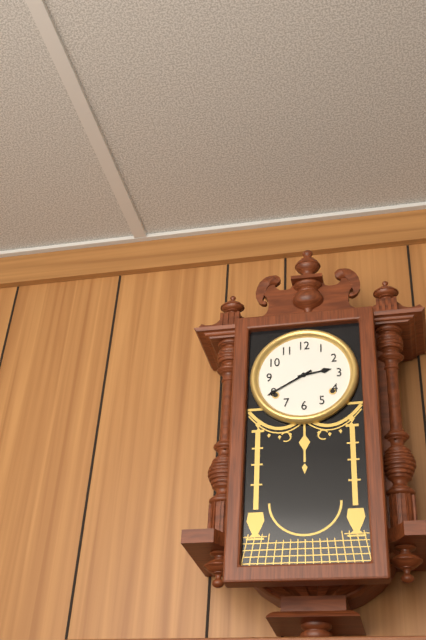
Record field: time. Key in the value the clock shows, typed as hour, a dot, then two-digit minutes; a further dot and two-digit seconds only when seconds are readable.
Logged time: 2.40
